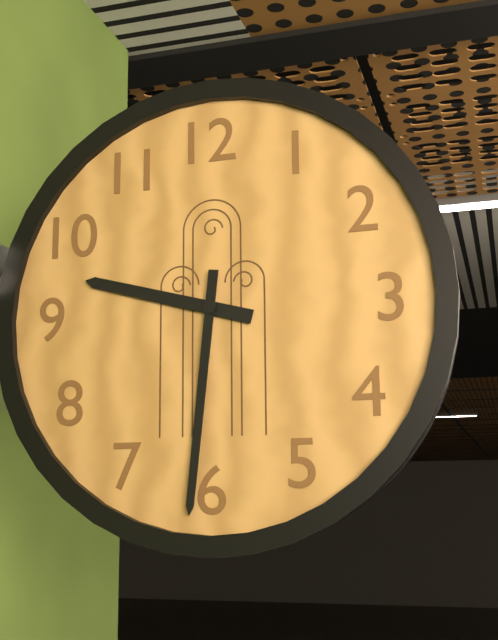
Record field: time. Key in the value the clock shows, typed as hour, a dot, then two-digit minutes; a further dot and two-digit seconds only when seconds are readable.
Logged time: 9.31
